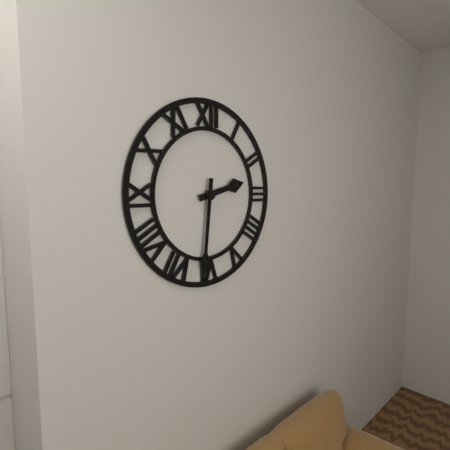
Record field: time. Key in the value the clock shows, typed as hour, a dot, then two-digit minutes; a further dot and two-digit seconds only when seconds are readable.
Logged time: 2.31
